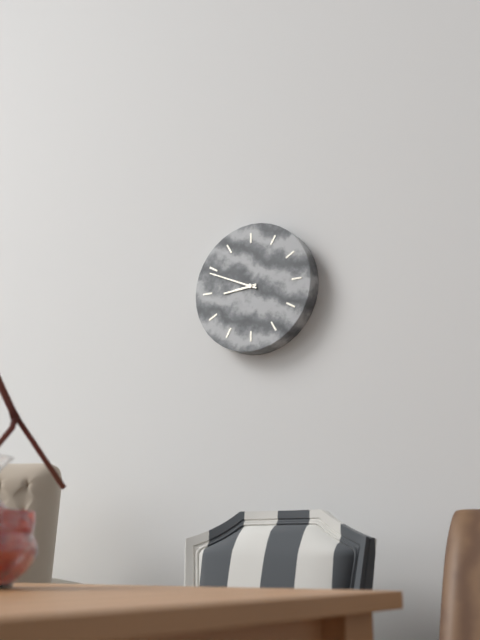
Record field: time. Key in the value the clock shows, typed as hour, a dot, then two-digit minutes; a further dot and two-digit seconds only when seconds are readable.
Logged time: 8.49
